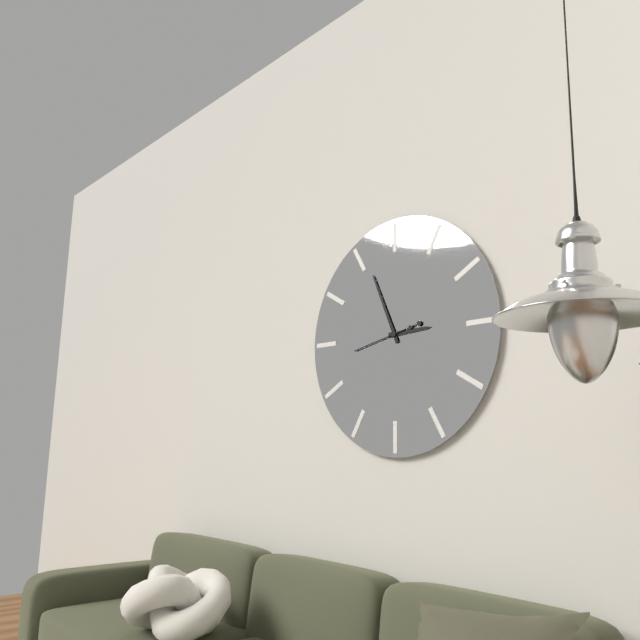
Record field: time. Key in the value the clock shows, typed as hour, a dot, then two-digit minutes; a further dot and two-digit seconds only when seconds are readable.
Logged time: 2.56.43
